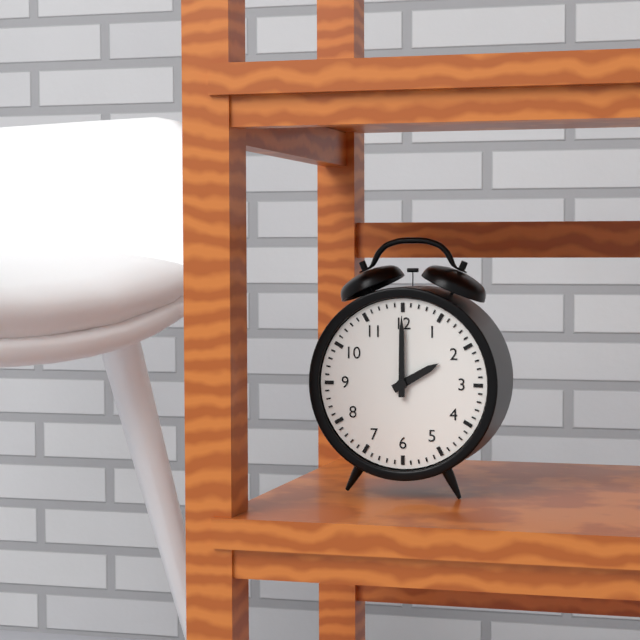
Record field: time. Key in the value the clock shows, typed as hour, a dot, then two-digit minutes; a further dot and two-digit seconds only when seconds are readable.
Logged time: 2.00
